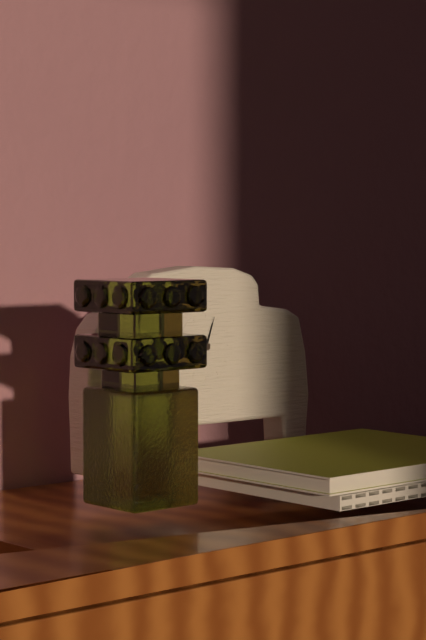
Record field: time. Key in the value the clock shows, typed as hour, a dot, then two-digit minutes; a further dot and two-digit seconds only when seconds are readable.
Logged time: 12.40
